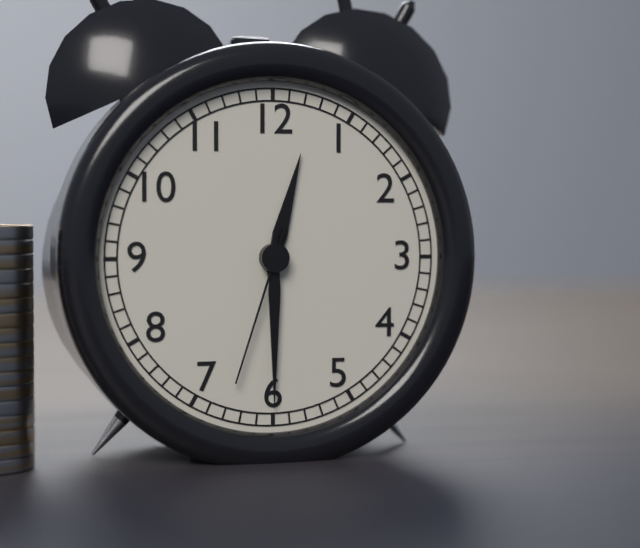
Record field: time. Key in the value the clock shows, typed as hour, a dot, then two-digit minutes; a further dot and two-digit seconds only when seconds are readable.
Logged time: 12.30.33
